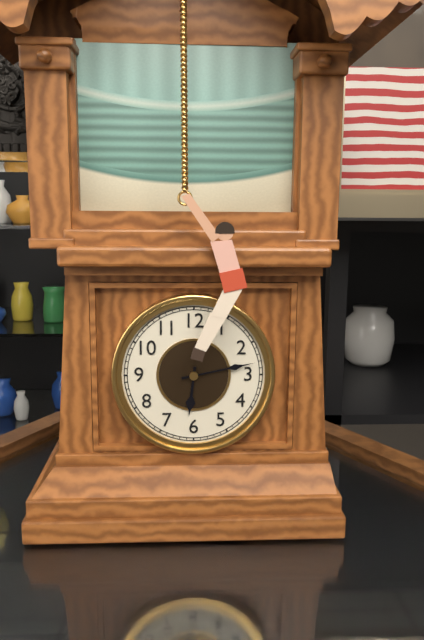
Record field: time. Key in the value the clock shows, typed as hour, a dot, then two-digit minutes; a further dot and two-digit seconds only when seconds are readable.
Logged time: 6.13
